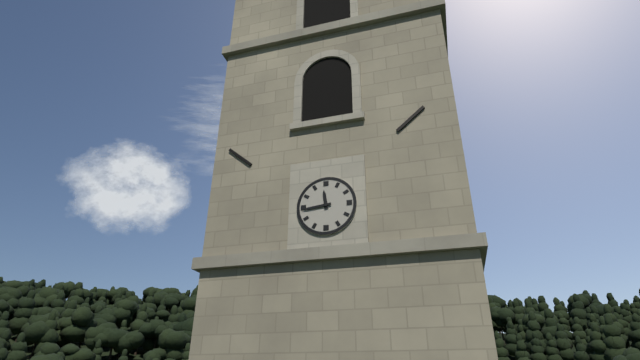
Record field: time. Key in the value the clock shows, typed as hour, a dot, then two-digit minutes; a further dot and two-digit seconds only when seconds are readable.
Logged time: 11.44
